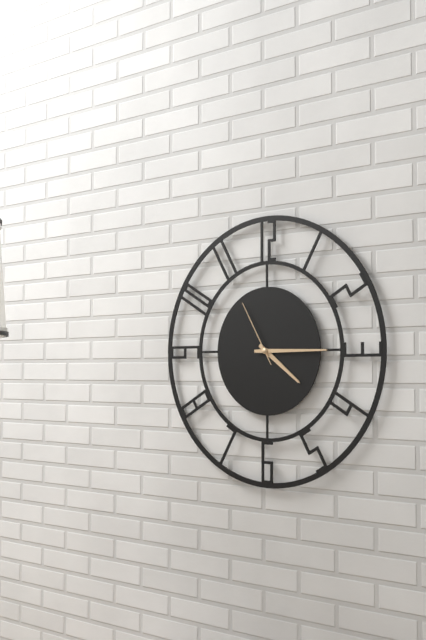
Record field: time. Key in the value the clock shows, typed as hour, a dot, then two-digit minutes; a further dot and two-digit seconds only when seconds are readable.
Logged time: 4.15.55
